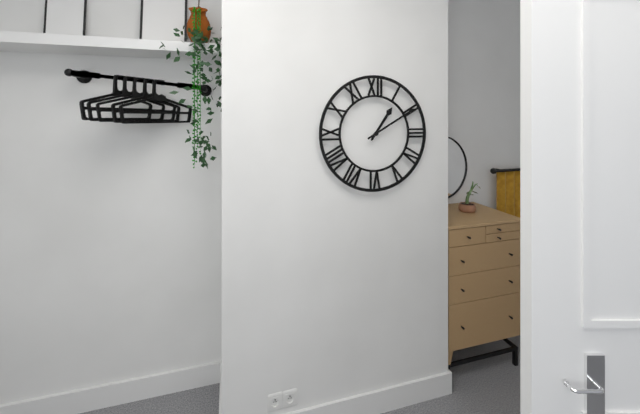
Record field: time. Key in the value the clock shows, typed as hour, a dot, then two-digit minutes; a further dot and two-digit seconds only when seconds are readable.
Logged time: 1.10
